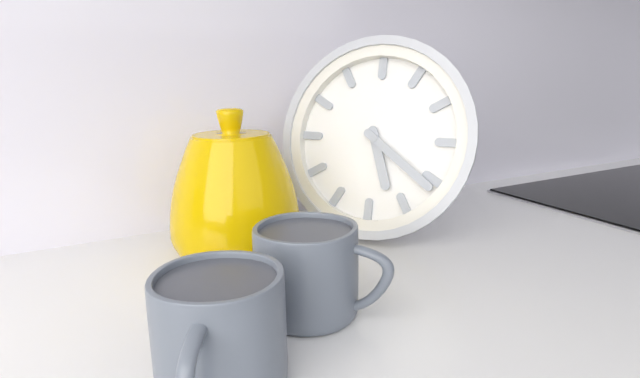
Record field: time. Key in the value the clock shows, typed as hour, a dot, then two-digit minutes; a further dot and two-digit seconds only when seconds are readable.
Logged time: 5.21
